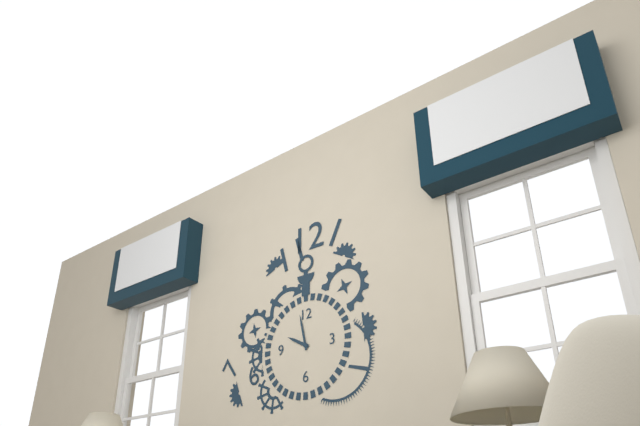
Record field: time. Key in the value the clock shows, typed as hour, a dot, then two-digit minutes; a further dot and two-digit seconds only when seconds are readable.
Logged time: 9.58
